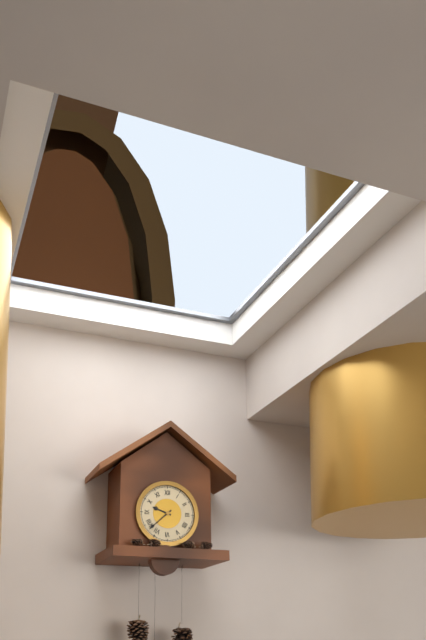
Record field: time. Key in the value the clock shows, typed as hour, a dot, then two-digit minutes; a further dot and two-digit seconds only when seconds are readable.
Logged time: 9.38
